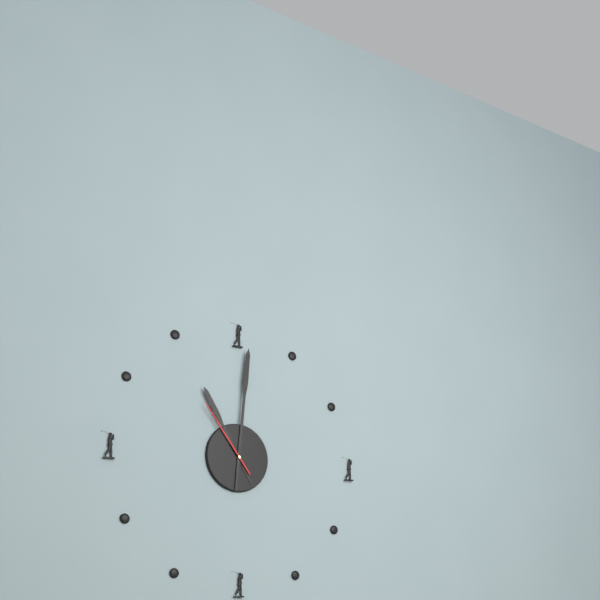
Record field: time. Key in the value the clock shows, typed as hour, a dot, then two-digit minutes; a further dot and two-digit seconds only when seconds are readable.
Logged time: 11.01.54
